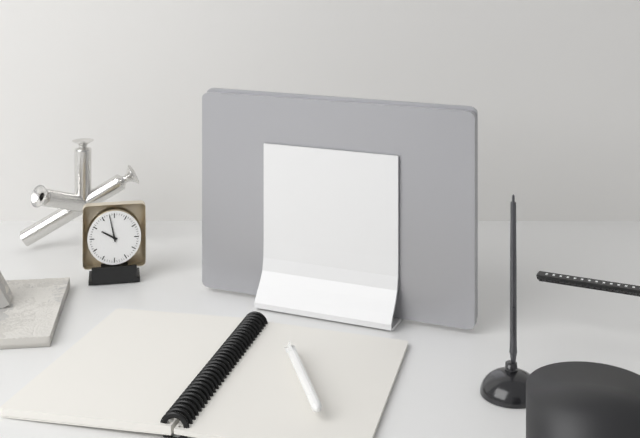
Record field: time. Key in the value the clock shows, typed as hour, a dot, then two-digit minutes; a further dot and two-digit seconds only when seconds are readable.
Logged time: 9.58
